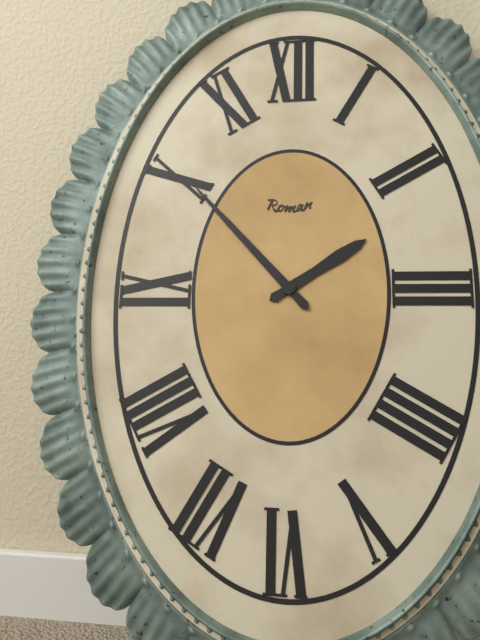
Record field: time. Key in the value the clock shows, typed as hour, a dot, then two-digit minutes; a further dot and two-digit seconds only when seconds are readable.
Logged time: 1.53
